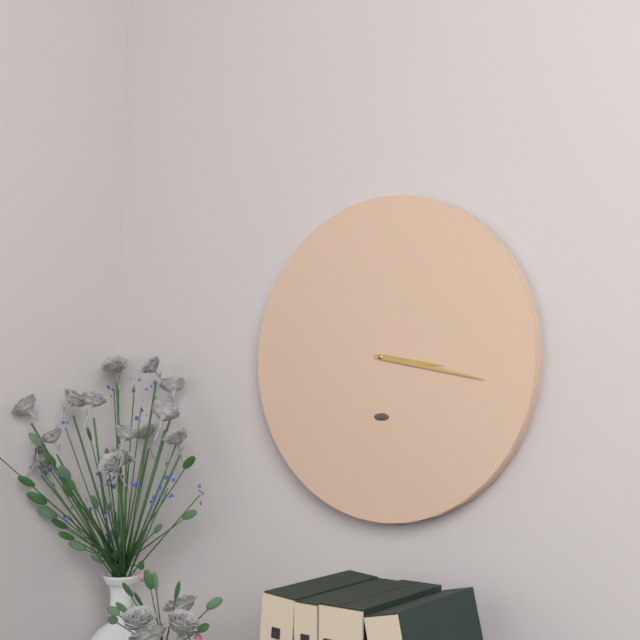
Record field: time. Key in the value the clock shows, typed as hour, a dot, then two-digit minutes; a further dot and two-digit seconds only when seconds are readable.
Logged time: 3.17
